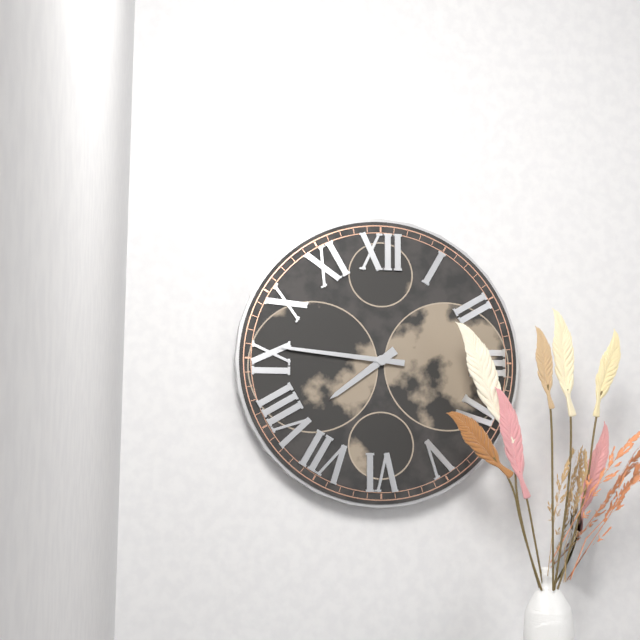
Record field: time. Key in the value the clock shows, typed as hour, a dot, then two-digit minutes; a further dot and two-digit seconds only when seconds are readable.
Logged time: 7.46
